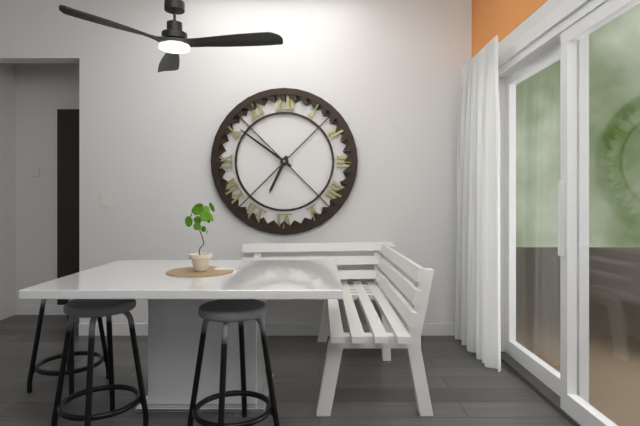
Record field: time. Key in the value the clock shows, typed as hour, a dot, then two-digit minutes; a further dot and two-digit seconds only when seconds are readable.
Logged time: 6.51
